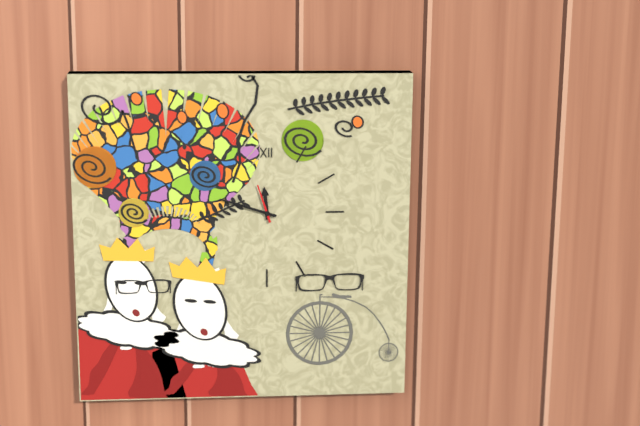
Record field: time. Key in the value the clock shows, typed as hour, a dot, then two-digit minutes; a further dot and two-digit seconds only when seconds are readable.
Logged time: 11.48
